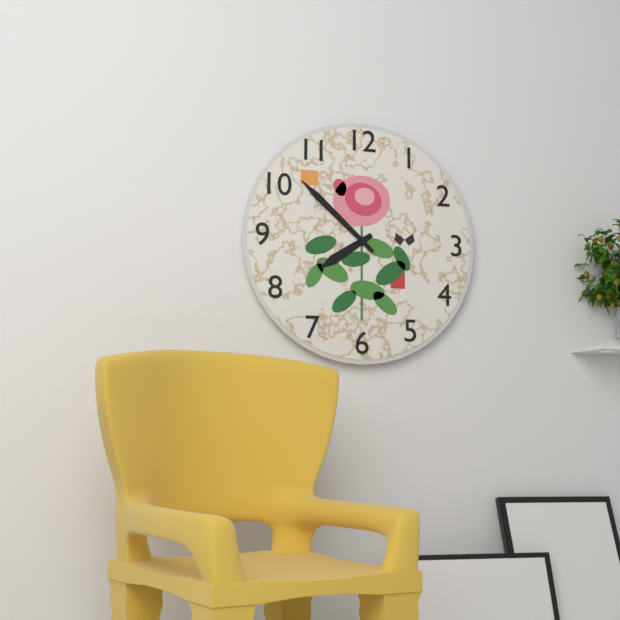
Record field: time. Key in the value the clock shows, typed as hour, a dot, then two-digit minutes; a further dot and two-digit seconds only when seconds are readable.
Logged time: 7.52
